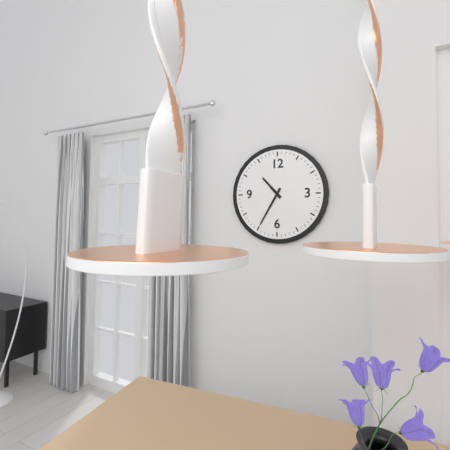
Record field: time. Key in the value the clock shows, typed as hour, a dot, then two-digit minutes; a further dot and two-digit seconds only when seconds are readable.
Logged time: 10.35
